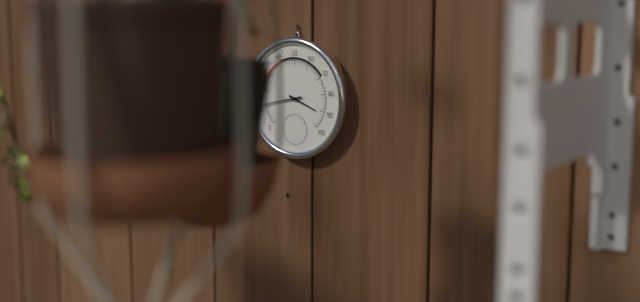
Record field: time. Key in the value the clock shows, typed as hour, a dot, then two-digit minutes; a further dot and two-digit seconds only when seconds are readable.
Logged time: 3.43
